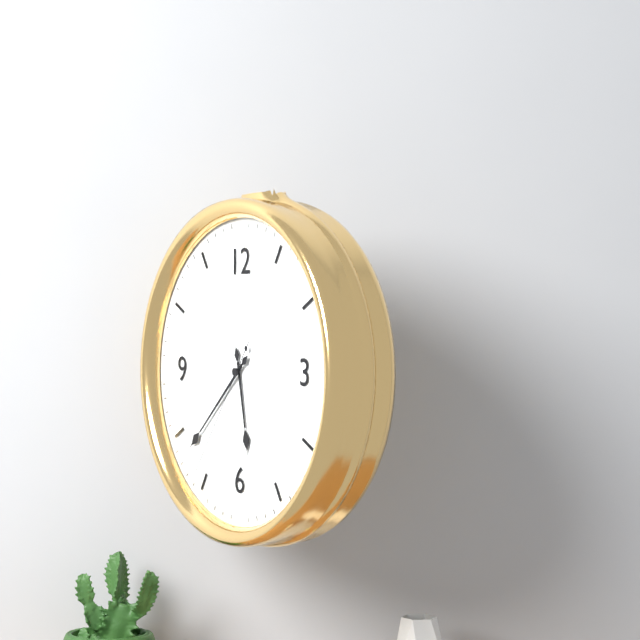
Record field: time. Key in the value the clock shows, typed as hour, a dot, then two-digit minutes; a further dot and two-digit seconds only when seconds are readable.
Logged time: 5.38.36
